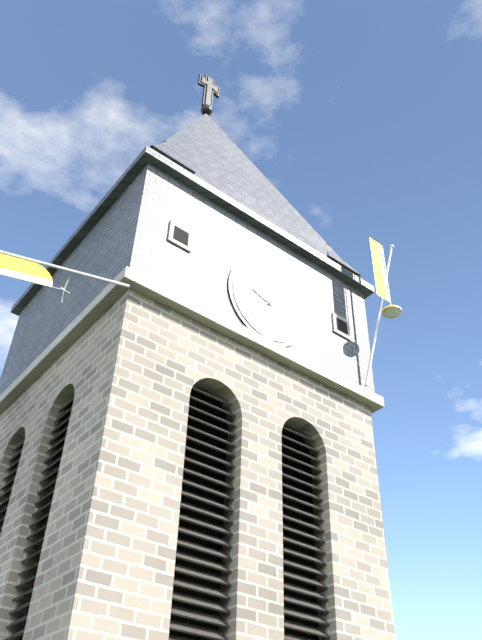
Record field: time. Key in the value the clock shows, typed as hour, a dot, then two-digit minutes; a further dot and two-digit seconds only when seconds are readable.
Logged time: 9.37
